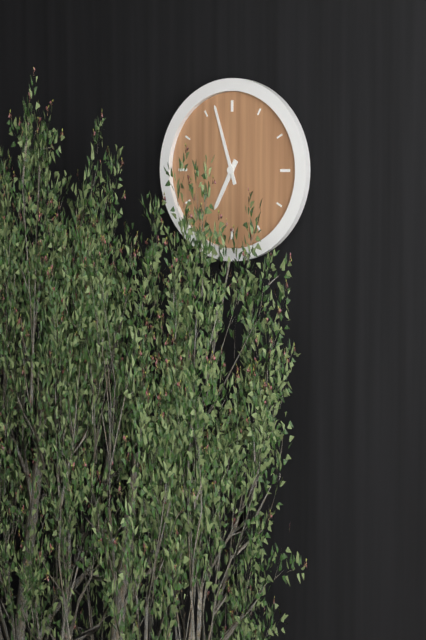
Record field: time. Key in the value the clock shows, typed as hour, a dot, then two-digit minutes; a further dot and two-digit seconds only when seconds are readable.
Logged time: 6.57
